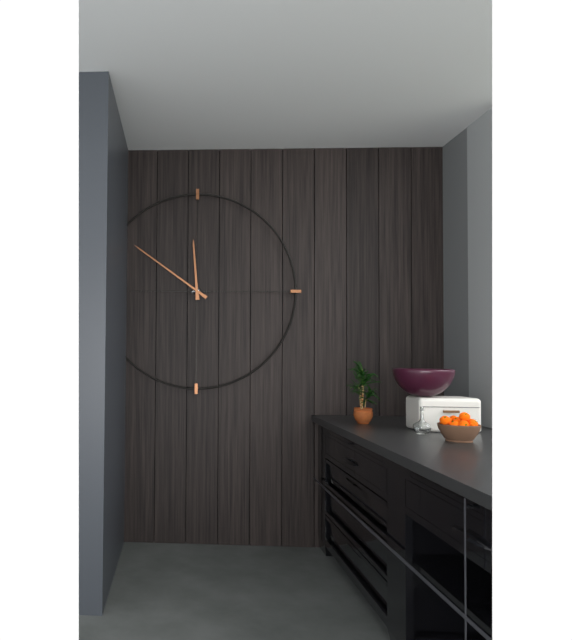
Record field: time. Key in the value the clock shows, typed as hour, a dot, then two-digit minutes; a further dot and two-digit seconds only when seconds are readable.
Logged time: 11.51
